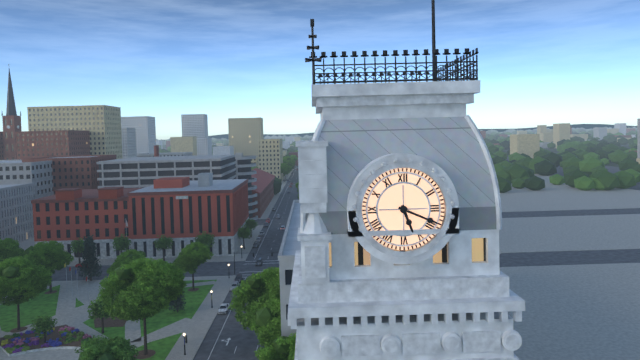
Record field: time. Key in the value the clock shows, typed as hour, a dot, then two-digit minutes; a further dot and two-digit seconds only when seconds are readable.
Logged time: 5.19
